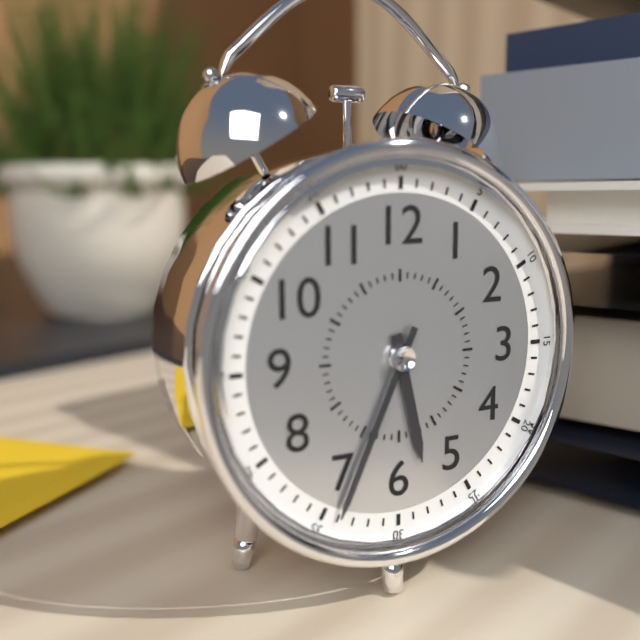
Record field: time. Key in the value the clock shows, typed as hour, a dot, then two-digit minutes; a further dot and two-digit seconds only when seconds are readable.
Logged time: 5.34
